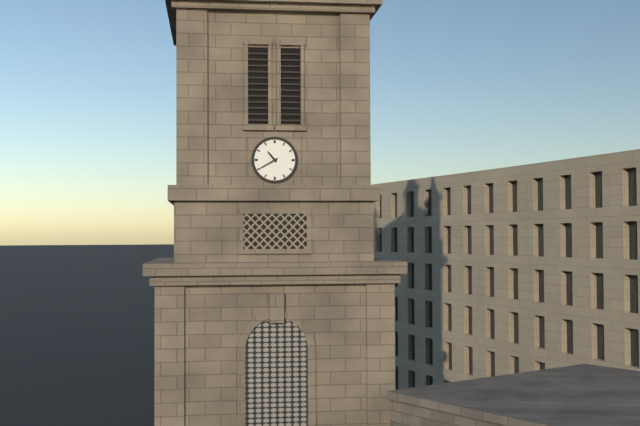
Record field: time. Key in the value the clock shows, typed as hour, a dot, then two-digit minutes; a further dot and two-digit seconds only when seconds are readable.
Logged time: 10.40
